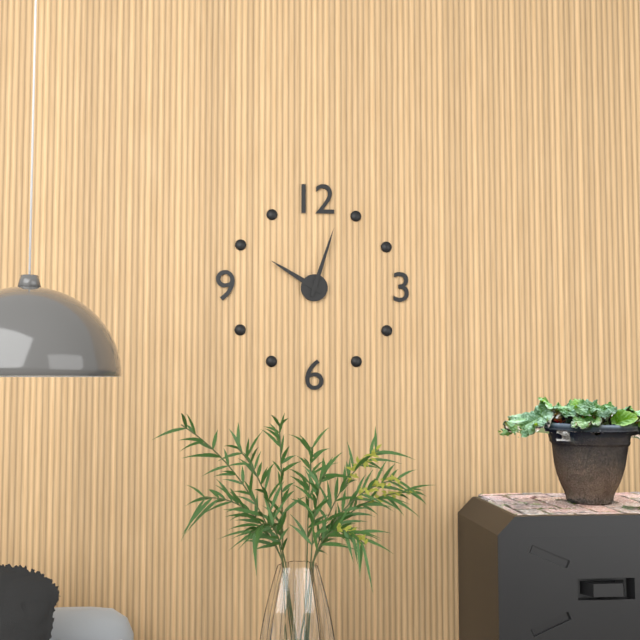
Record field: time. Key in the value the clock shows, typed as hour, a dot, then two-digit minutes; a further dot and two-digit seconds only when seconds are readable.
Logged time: 10.03
